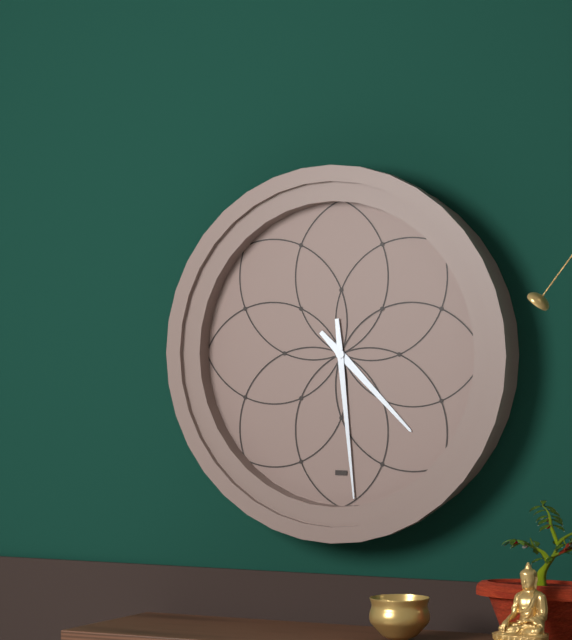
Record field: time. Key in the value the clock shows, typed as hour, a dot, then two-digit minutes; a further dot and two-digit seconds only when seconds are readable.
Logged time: 4.29
